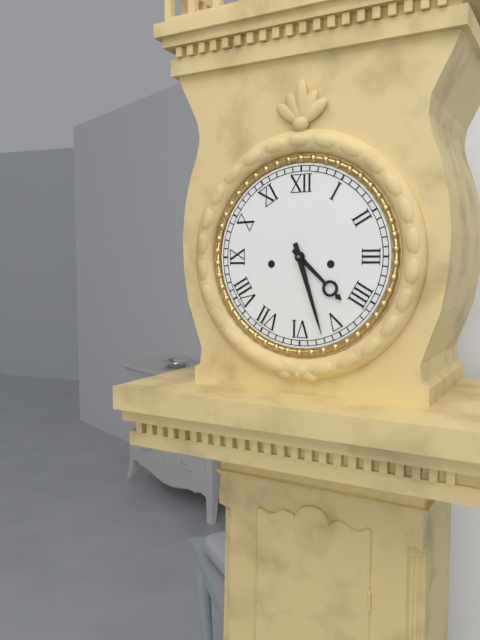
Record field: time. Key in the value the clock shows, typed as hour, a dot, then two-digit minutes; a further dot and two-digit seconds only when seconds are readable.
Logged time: 4.27
